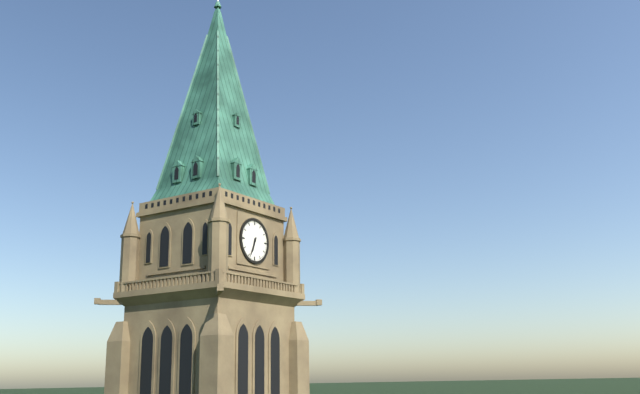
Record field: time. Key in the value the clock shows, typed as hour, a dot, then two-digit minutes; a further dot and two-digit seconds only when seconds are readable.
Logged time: 6.34
